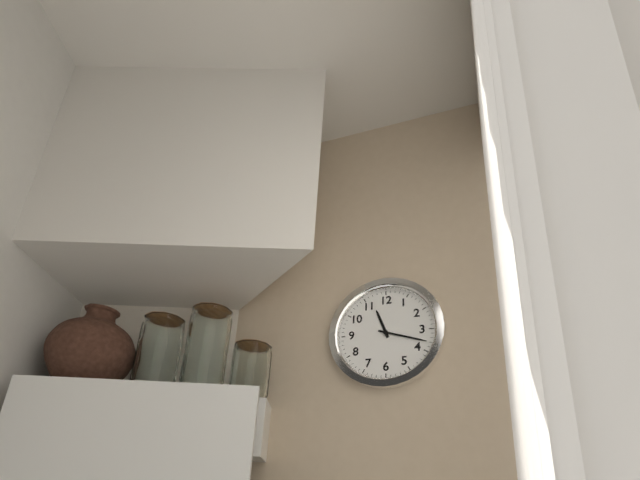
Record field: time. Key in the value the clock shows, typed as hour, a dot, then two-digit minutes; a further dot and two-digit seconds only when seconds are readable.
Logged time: 11.18
